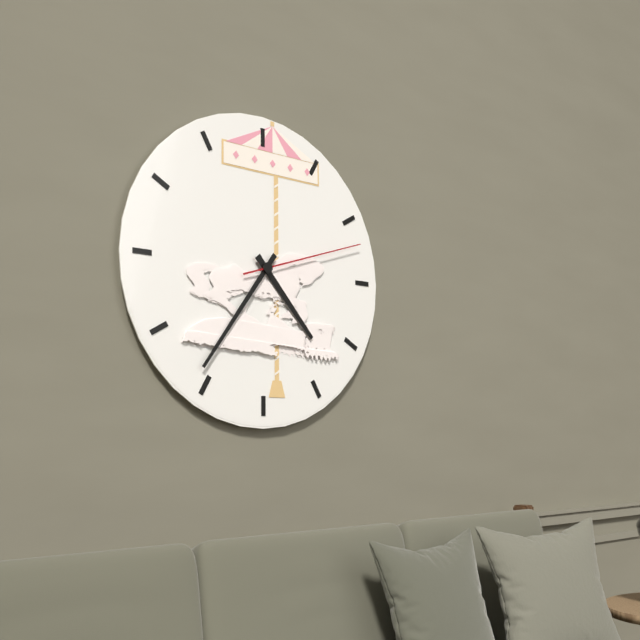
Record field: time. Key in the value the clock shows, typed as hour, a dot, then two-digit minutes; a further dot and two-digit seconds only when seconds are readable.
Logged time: 4.36.12
